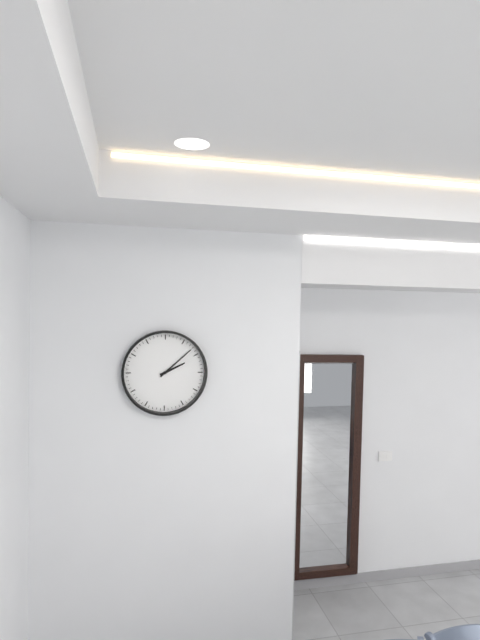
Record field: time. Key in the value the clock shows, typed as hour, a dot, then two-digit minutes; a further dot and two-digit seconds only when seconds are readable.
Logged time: 2.08
